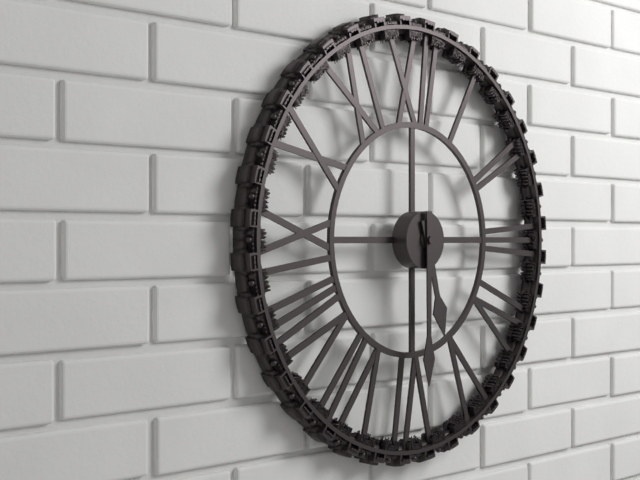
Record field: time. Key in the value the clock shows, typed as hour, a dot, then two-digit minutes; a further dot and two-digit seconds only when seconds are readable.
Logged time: 5.30
